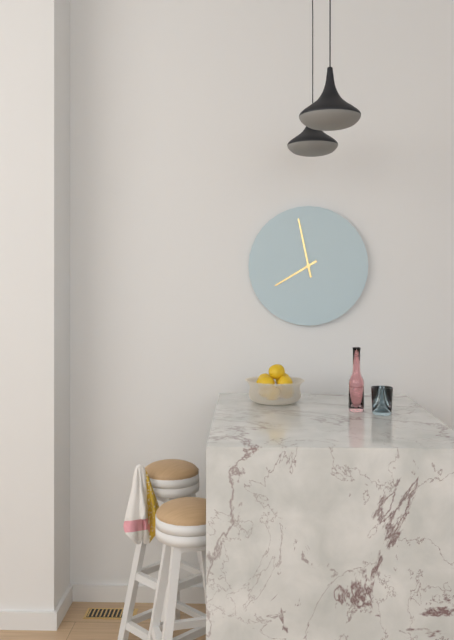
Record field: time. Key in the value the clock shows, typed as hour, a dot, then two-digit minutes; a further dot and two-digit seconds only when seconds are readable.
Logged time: 7.58
